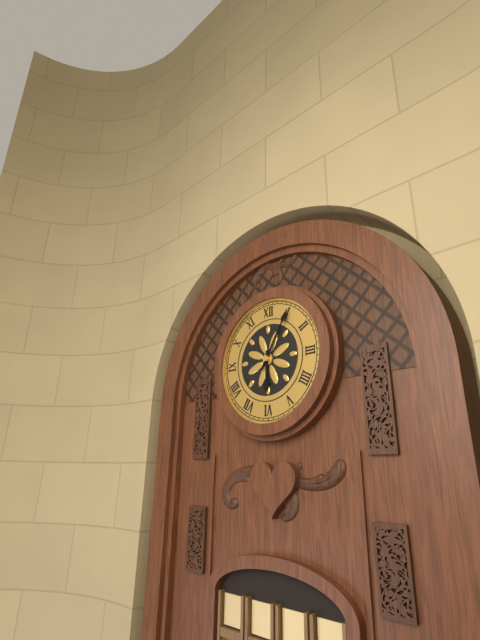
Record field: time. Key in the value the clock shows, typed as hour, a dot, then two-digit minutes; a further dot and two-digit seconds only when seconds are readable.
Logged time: 6.05
